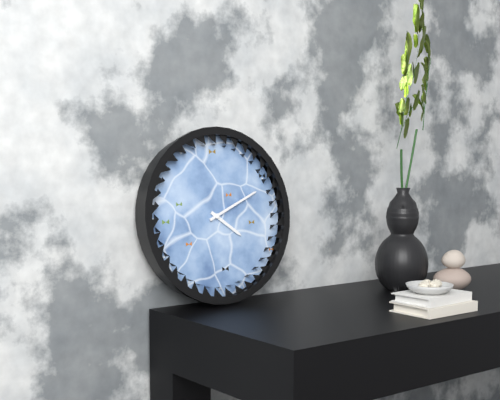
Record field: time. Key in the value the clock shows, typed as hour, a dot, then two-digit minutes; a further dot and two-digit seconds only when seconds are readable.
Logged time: 4.11
